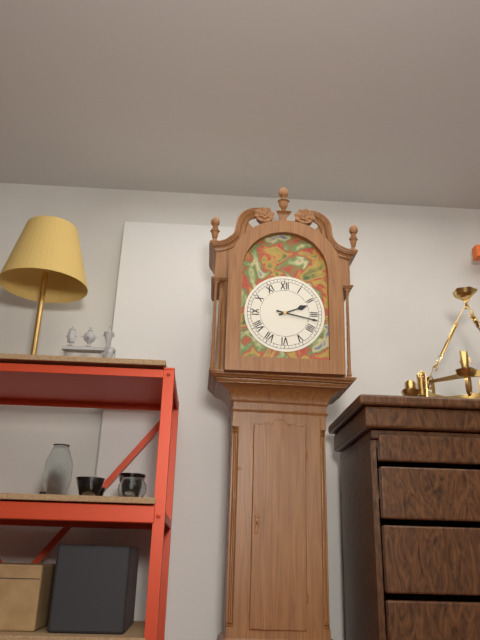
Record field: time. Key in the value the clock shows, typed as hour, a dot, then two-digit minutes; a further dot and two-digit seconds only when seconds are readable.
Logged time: 2.17
